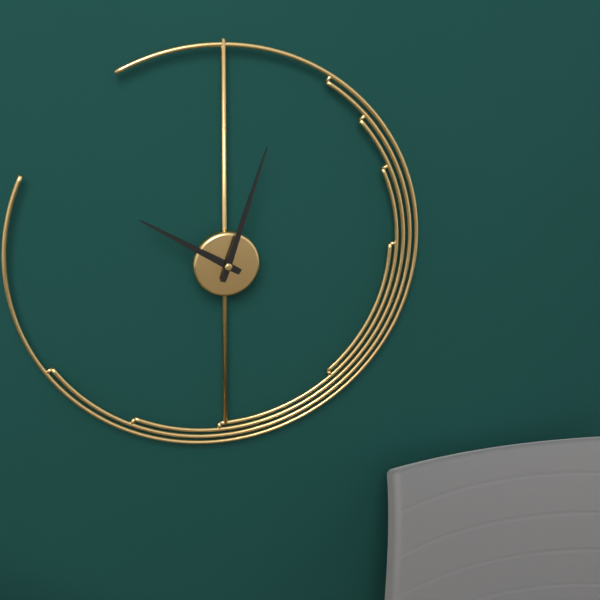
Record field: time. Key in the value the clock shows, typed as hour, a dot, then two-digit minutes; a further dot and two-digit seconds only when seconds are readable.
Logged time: 10.03
